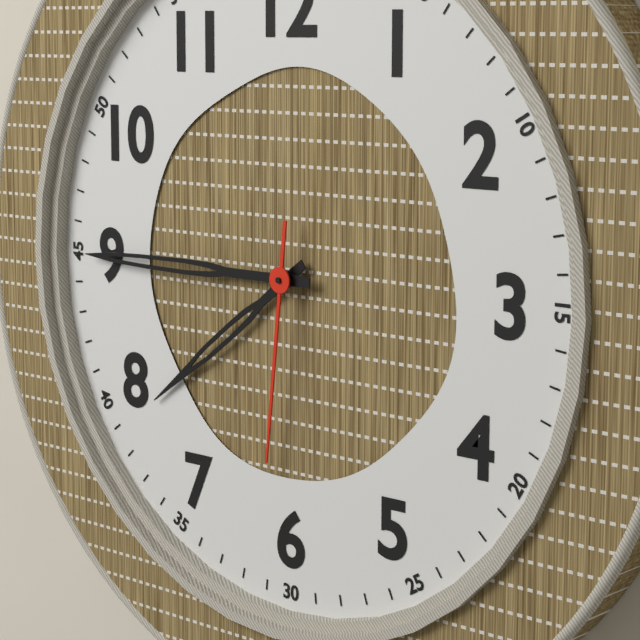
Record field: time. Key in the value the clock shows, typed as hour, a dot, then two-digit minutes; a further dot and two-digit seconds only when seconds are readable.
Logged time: 7.45.31
